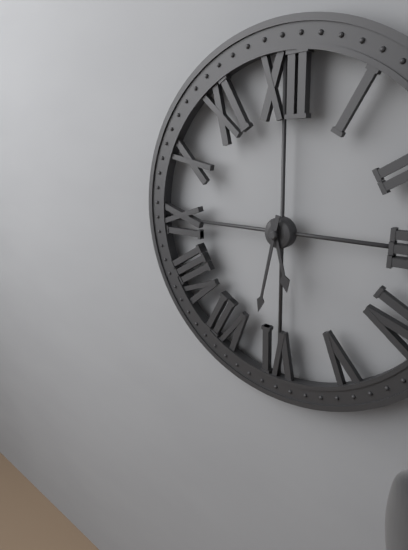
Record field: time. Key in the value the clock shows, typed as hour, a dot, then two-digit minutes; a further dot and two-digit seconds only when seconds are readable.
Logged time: 5.32
